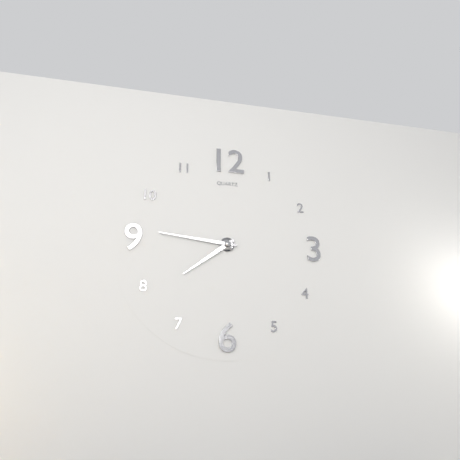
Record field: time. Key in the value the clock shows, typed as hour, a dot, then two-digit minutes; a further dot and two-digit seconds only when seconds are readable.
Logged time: 7.46
